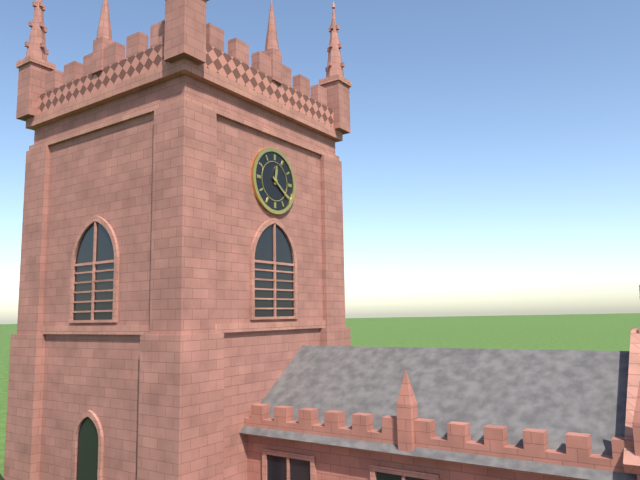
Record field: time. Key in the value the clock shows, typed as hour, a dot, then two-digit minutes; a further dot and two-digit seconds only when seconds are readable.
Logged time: 12.21
